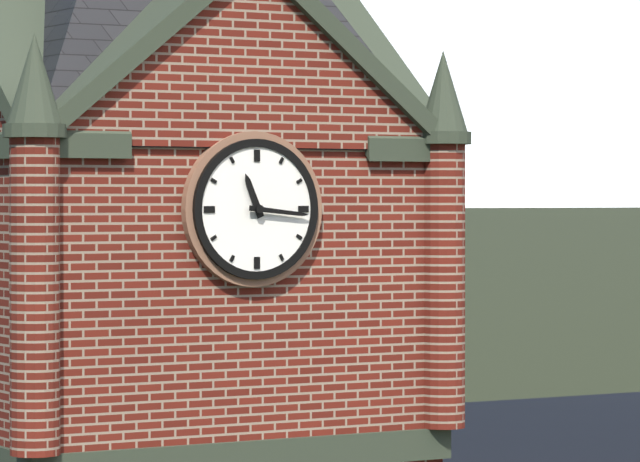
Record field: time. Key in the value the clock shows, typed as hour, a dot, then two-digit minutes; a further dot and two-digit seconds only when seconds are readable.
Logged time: 11.16
